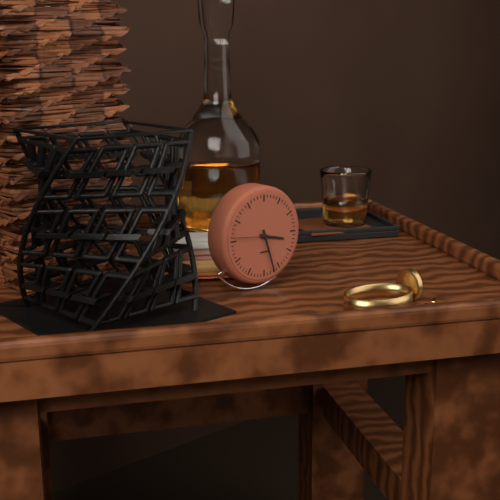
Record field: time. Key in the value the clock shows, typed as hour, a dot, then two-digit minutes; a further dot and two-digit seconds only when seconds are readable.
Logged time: 3.27
